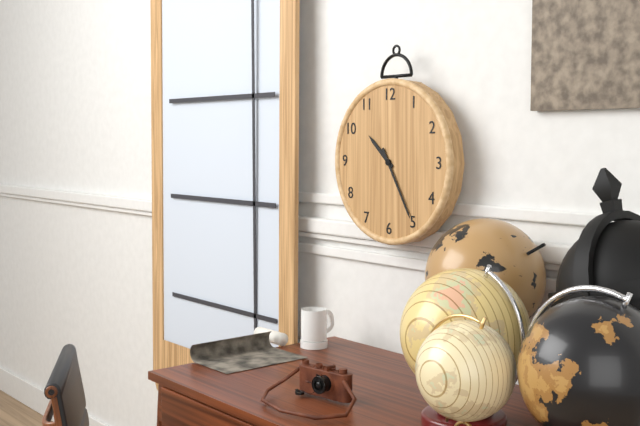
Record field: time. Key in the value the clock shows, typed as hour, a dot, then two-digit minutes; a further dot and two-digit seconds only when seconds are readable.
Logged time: 10.25
